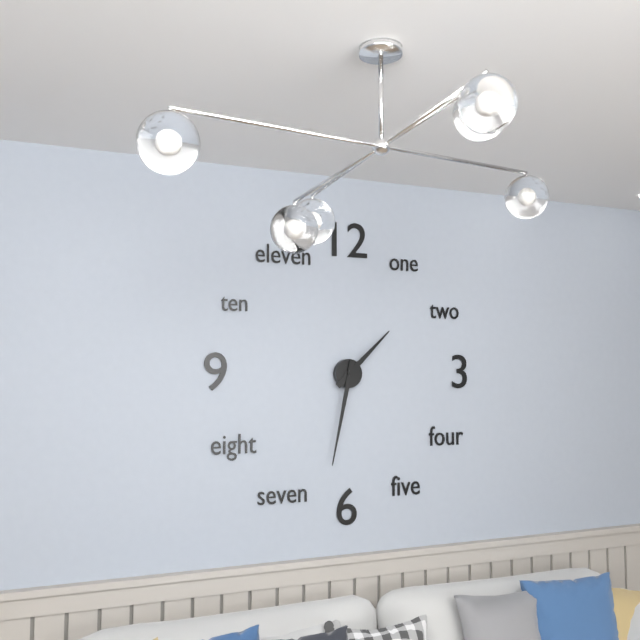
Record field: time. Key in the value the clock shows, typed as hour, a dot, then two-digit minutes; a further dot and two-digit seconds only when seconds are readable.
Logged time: 1.32
